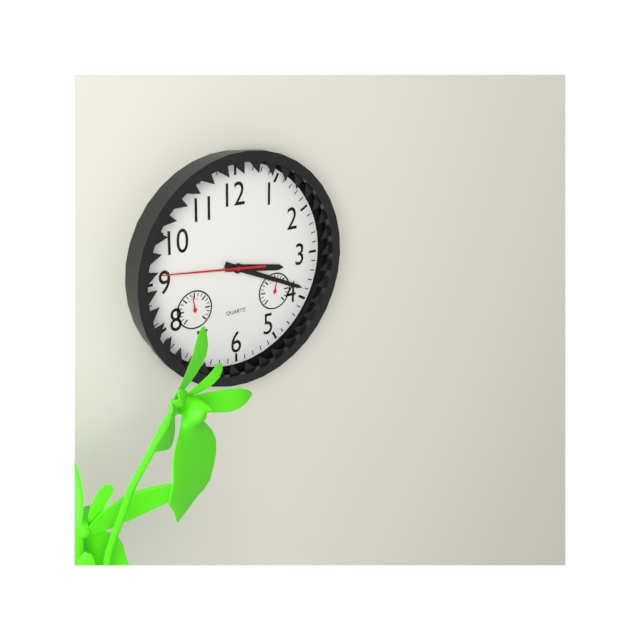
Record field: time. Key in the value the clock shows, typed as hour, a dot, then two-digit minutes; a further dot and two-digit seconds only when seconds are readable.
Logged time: 3.19.46
